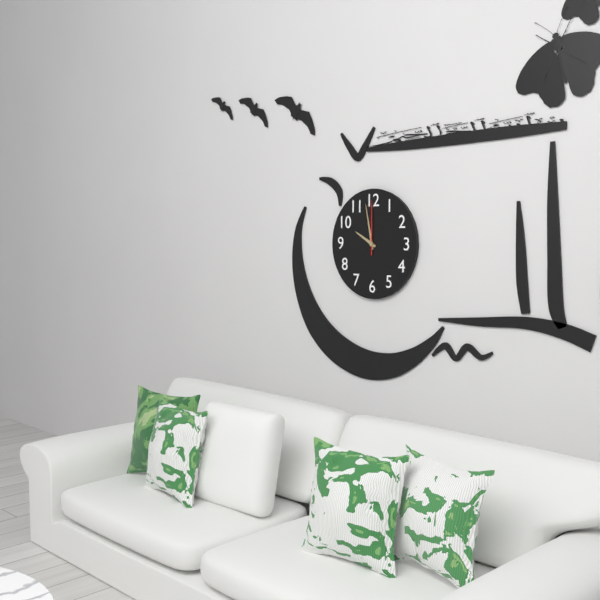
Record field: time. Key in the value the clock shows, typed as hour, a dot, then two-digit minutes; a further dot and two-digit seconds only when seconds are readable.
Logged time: 9.58.00
